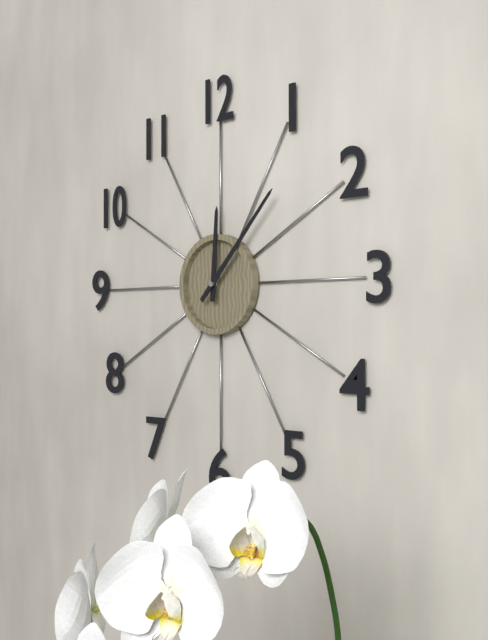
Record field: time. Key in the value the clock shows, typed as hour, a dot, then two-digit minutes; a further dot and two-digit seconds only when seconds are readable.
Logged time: 12.07
